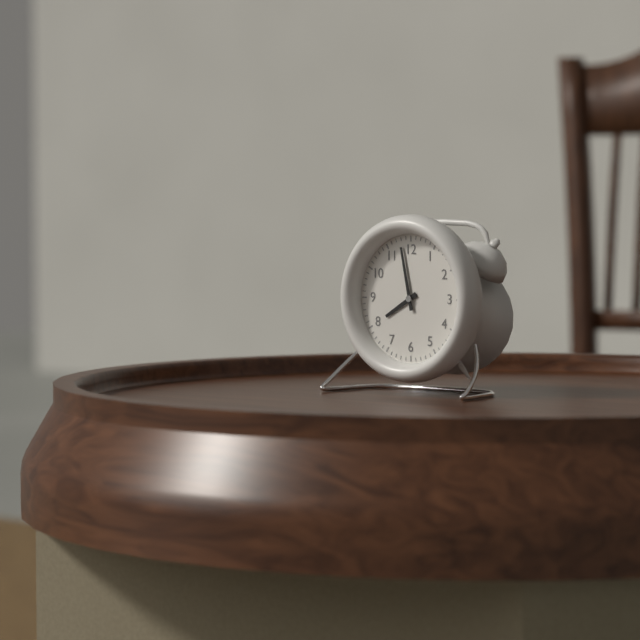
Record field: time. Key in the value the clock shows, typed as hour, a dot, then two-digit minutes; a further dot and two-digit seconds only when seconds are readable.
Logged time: 7.58
